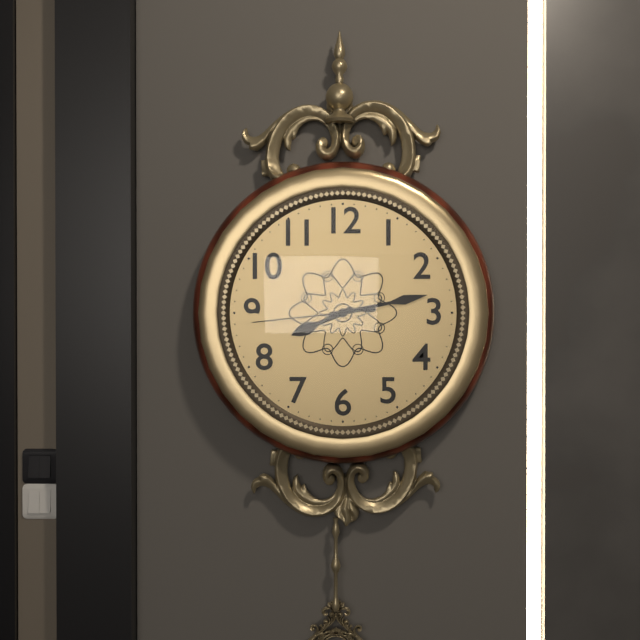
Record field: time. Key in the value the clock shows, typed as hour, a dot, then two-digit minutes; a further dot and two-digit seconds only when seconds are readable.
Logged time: 8.13.44
